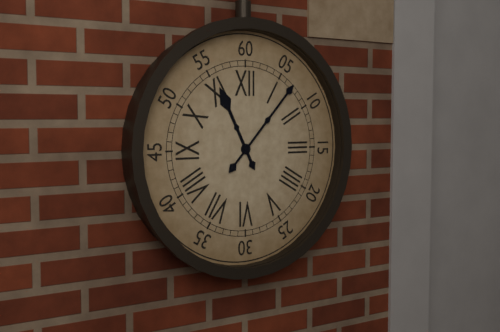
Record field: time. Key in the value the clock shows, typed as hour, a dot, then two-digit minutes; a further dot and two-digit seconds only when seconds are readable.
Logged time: 11.07
